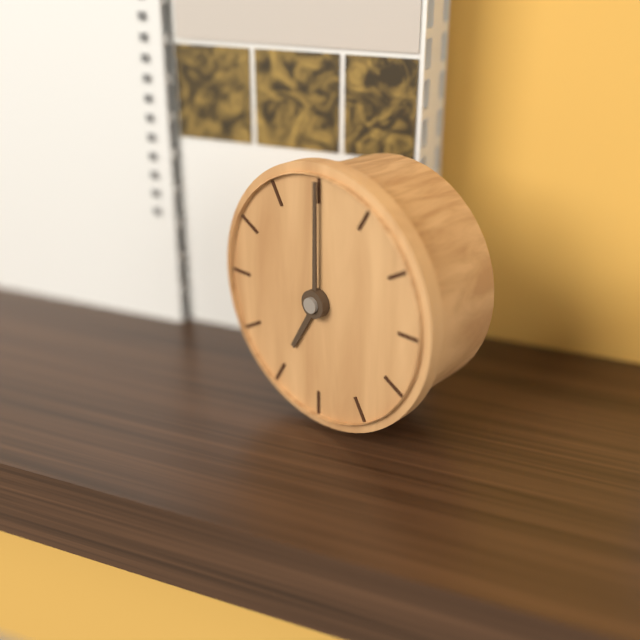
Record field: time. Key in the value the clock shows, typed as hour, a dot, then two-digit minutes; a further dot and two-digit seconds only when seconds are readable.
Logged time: 7.00
